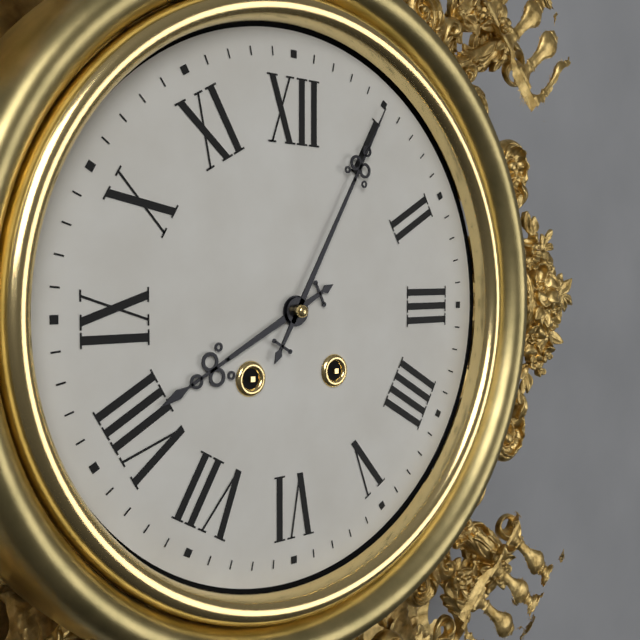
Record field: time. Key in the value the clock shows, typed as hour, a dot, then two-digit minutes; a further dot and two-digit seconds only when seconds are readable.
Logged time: 8.05
